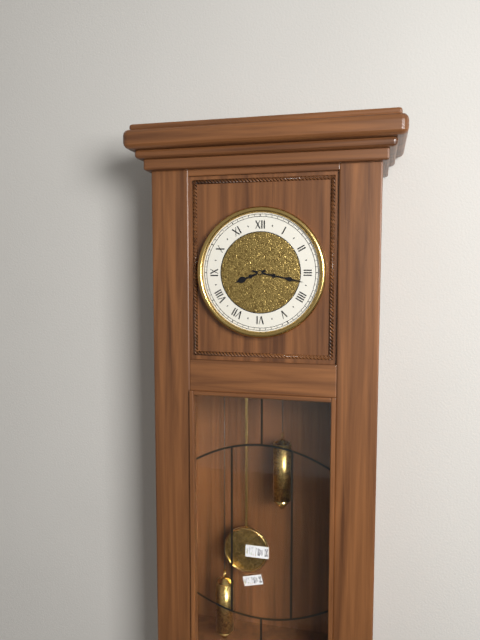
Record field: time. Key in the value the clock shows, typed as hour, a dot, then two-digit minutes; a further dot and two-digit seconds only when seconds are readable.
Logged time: 8.17
